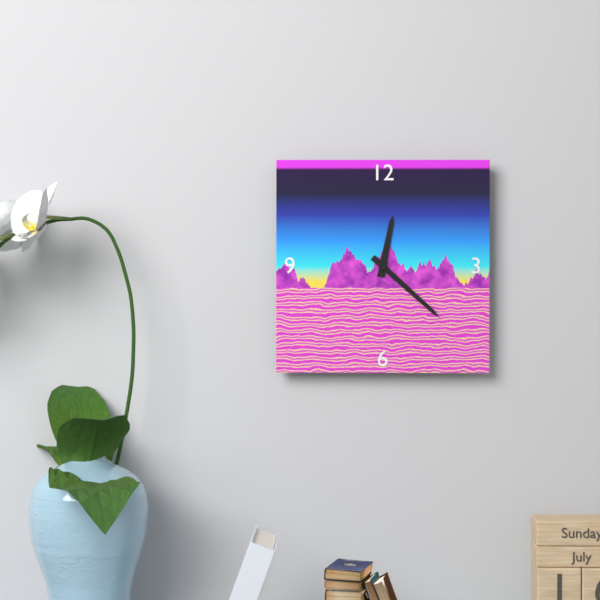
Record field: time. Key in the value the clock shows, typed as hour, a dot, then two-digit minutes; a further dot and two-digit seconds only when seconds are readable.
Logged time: 12.22
